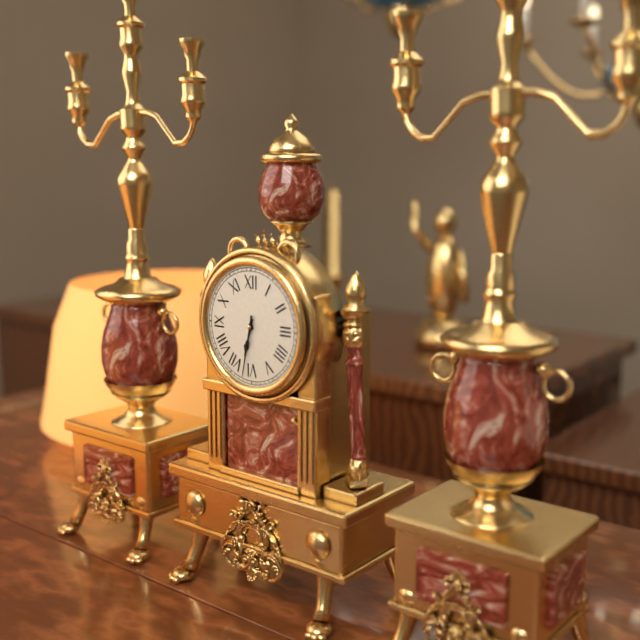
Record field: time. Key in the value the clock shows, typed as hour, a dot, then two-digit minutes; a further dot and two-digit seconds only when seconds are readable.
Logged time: 6.32
